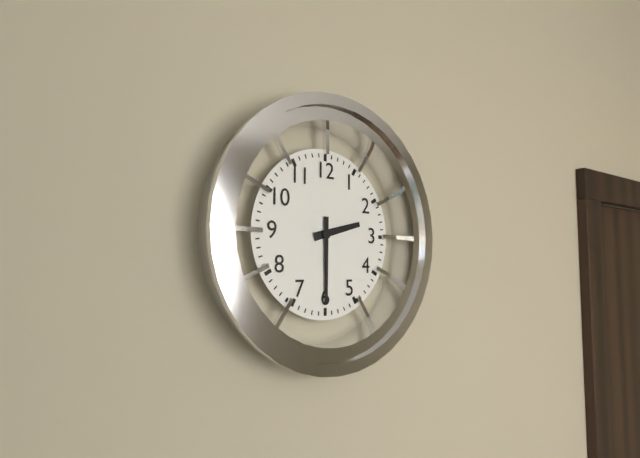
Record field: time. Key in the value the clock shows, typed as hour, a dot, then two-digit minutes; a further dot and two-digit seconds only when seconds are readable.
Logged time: 2.30
